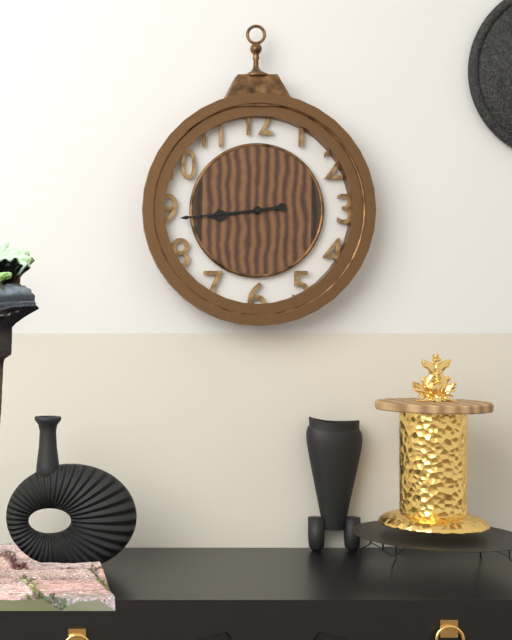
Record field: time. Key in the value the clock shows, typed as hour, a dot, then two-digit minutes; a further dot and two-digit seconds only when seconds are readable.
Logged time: 8.44
